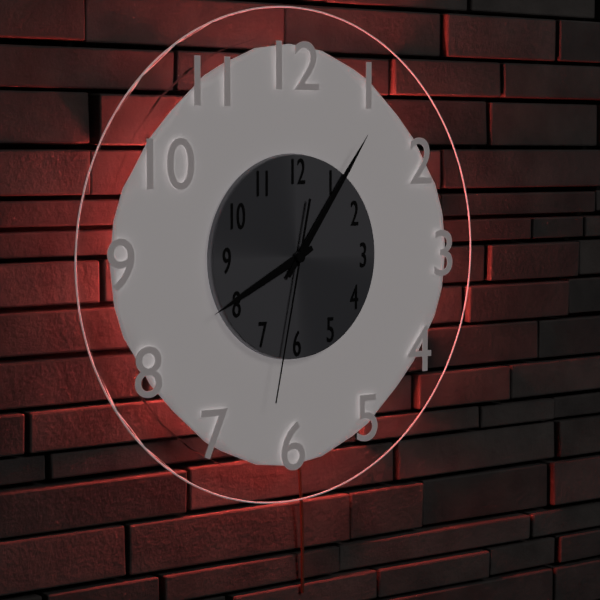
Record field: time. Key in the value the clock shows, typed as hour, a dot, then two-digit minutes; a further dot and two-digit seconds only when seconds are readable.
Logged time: 8.06.32
